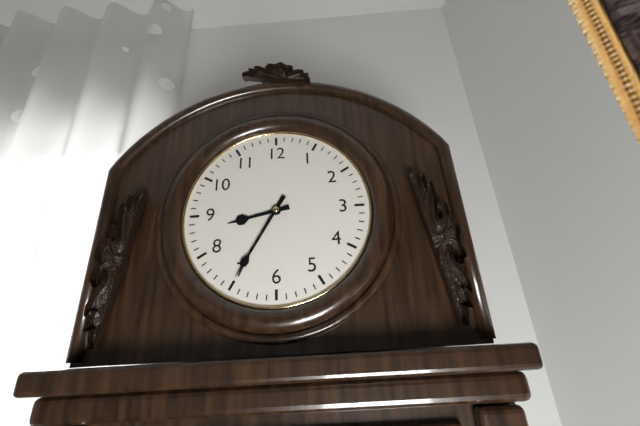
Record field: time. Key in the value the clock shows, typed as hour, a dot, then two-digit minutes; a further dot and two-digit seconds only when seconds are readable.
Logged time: 8.35
